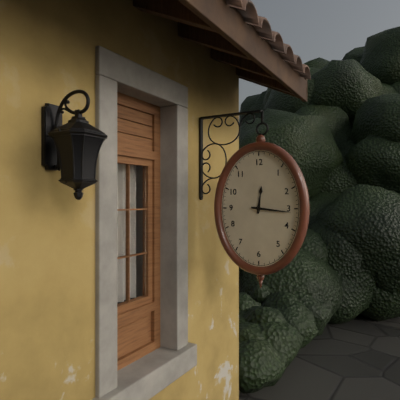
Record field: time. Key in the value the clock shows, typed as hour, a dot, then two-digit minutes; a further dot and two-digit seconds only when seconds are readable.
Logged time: 12.16
